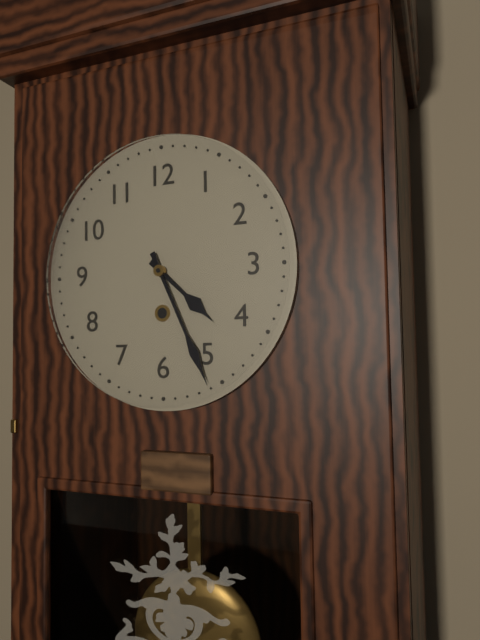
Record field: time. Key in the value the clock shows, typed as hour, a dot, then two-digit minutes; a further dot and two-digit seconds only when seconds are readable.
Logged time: 4.26
